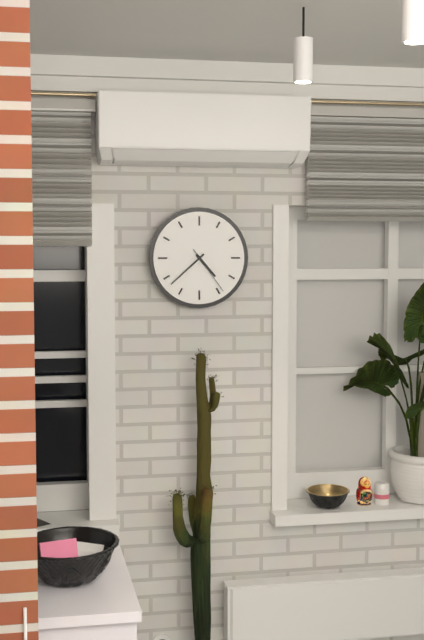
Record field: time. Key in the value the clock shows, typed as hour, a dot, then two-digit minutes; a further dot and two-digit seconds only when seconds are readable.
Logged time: 4.38.24
